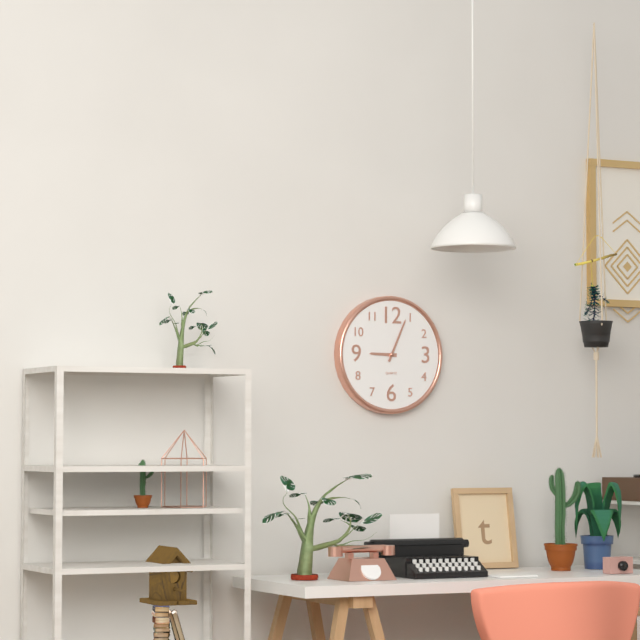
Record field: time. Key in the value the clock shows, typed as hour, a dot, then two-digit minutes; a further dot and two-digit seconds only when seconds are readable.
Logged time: 9.04
